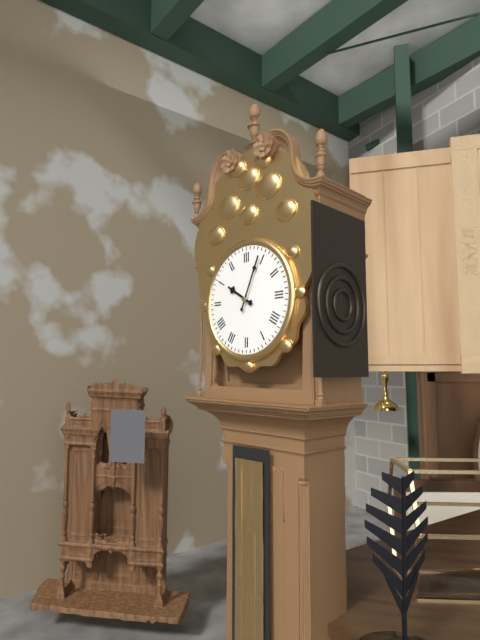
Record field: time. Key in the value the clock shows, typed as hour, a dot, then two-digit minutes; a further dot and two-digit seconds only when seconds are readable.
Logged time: 10.04
